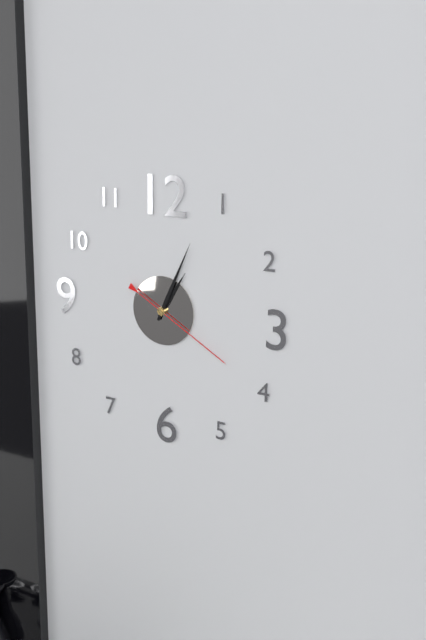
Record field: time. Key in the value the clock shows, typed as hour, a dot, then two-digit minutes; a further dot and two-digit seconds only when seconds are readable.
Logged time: 1.04.20
